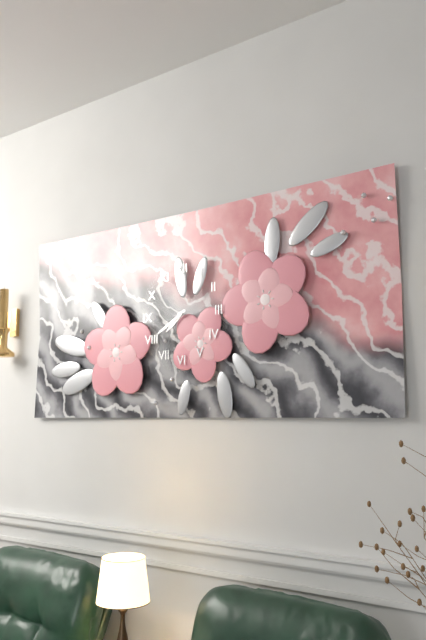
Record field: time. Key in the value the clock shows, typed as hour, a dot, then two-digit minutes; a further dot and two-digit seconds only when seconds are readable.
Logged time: 7.40
